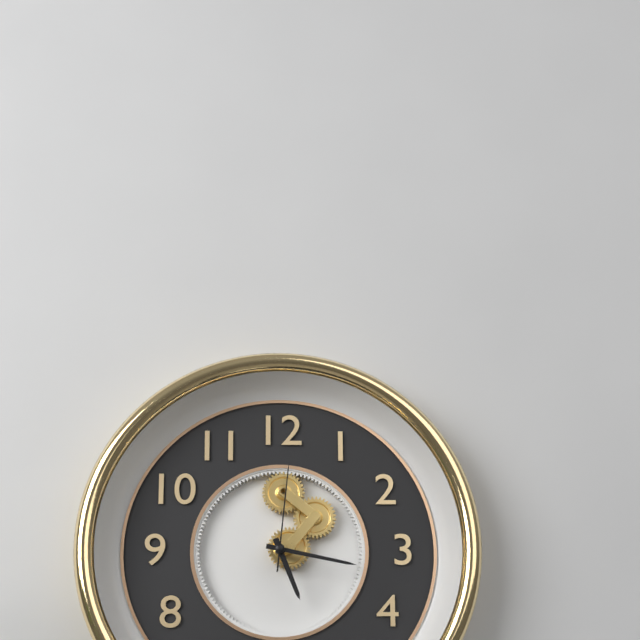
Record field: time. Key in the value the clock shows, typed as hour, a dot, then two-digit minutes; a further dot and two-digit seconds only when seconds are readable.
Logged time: 5.17.01
